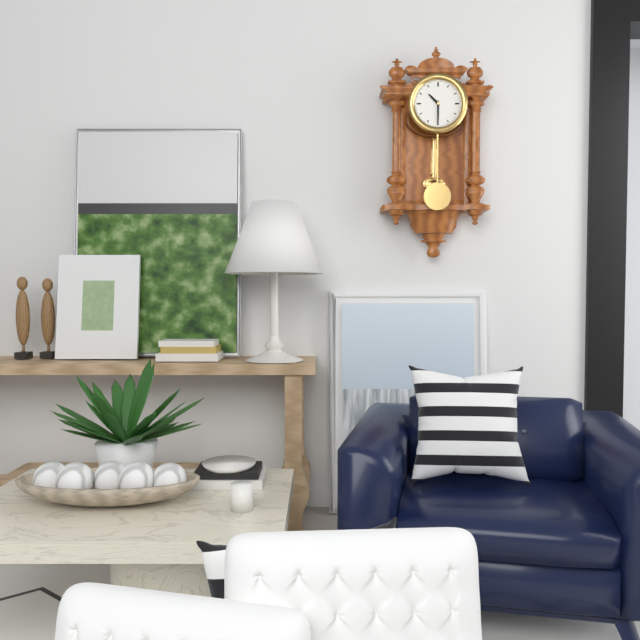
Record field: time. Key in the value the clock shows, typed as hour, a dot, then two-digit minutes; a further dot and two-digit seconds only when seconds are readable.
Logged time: 10.30
